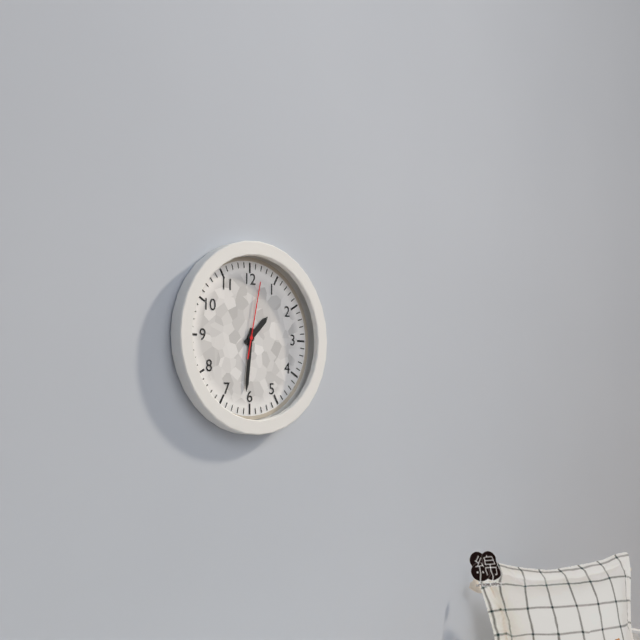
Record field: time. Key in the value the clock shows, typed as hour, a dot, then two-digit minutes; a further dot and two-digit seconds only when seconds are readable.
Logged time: 1.31.02
